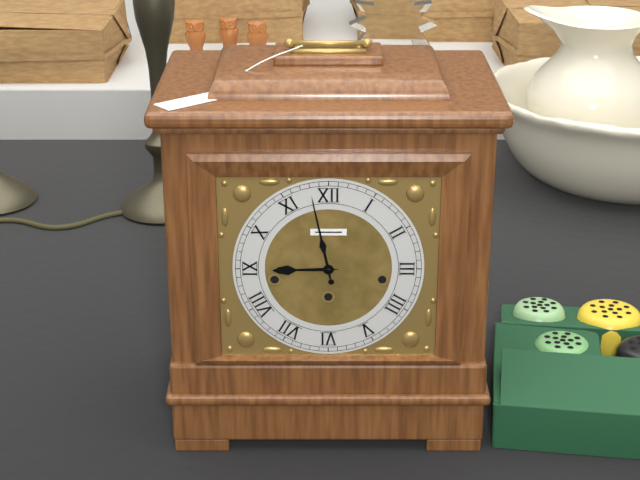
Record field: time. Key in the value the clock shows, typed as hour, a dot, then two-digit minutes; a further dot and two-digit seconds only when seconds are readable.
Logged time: 8.58
